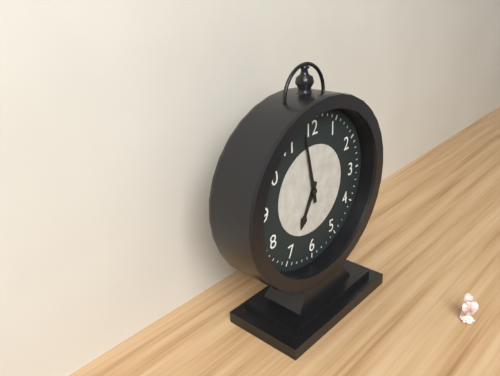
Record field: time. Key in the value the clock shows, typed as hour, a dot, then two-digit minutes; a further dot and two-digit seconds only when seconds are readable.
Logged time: 6.58
